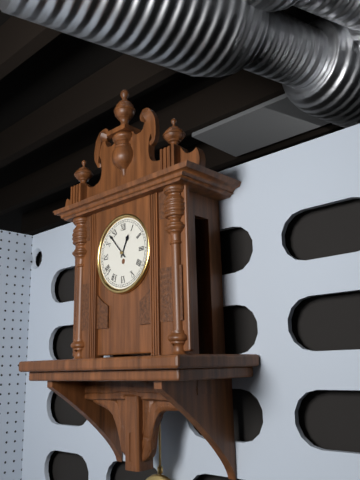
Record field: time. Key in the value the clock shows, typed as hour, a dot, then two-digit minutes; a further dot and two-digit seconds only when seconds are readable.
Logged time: 12.53
